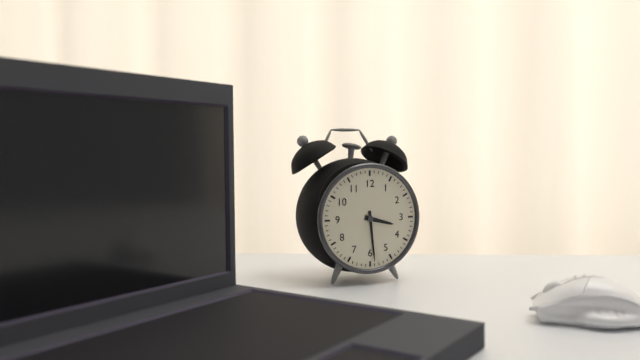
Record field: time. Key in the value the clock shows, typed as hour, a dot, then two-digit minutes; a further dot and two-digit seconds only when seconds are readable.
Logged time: 3.29
